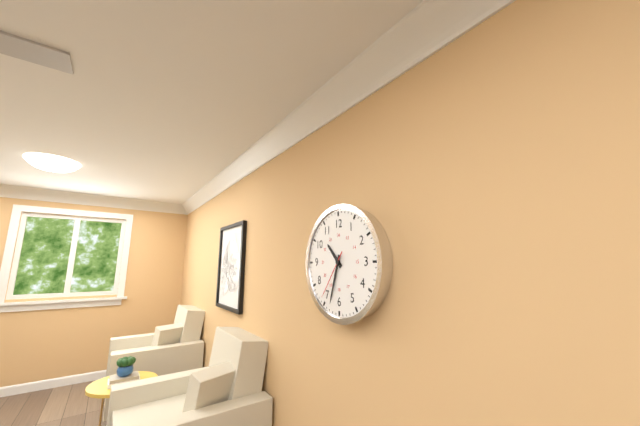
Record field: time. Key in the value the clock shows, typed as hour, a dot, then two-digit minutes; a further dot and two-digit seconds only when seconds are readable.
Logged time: 10.33
